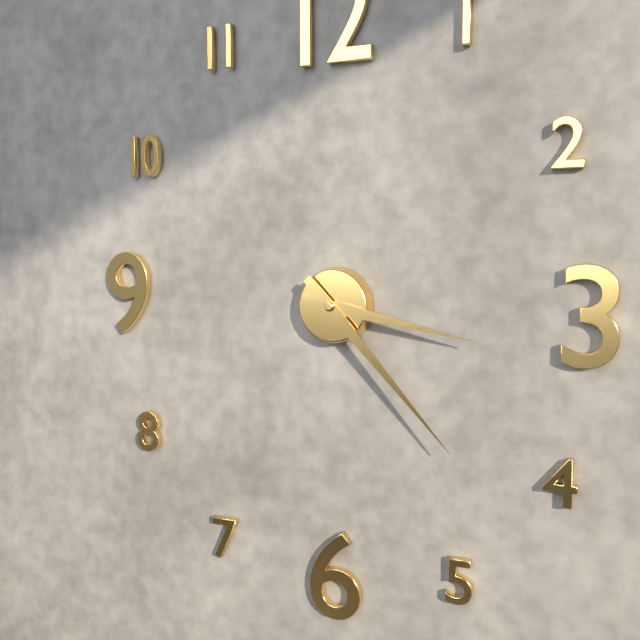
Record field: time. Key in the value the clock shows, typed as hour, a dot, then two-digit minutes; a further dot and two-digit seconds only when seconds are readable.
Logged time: 3.23
